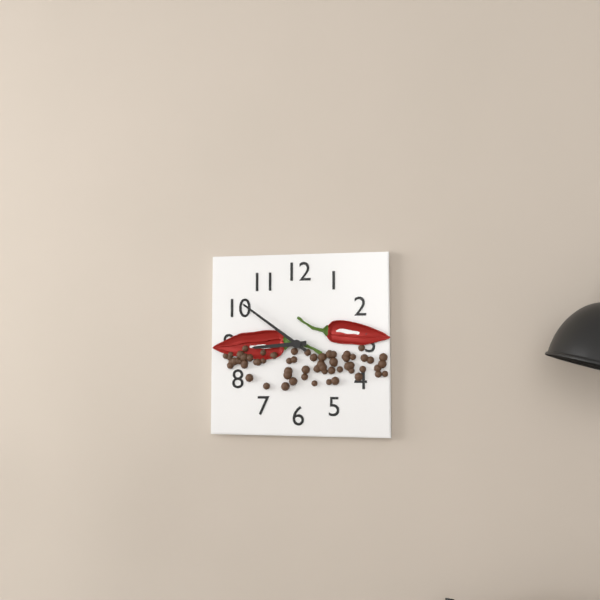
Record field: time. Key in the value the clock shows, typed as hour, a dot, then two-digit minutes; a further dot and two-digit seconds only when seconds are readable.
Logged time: 8.51
